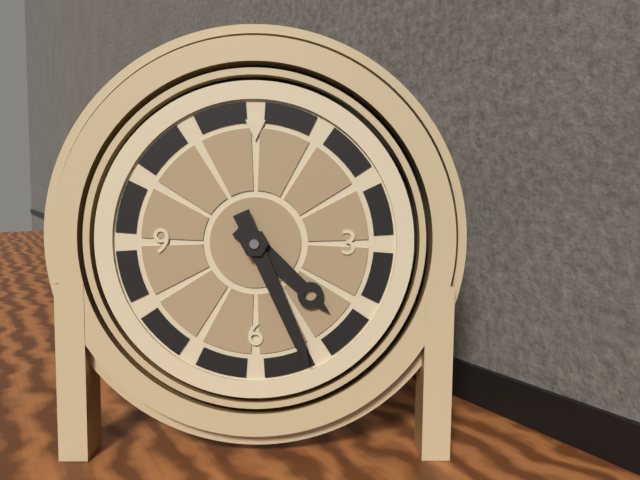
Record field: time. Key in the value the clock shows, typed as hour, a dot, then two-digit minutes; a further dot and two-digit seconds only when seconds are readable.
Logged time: 4.26
